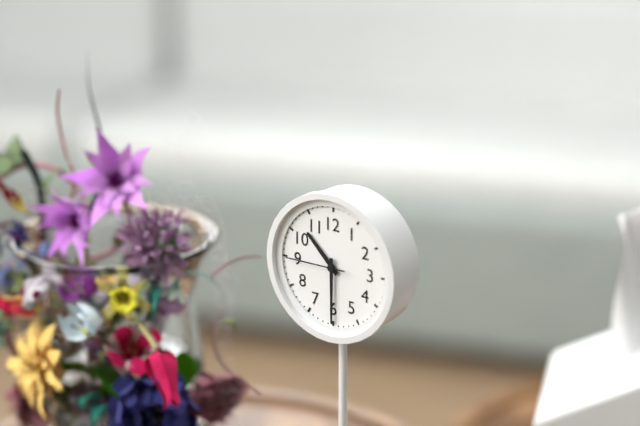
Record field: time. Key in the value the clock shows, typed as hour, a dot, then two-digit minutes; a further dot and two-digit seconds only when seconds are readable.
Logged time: 10.30.45
